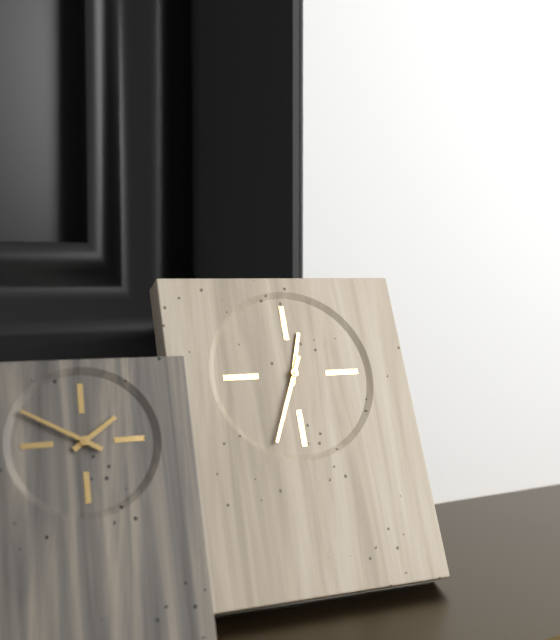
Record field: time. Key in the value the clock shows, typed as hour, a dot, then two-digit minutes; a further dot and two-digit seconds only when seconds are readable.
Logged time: 12.34
